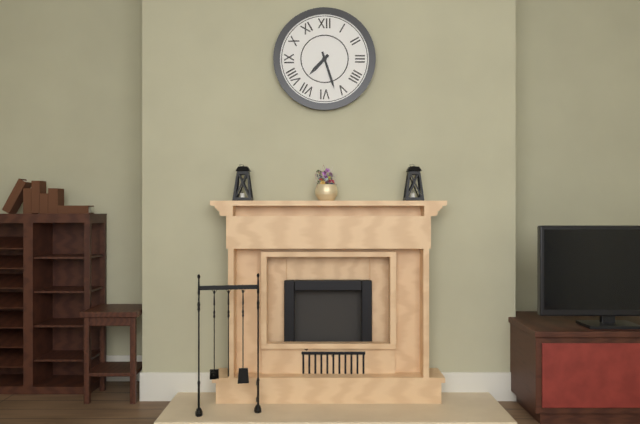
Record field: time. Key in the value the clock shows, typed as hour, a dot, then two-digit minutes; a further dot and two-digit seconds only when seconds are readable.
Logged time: 7.27
